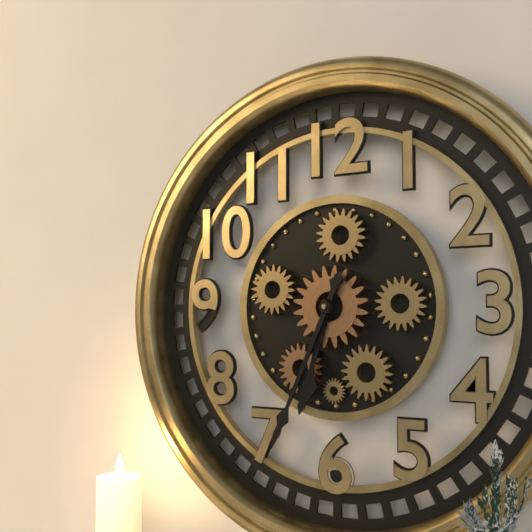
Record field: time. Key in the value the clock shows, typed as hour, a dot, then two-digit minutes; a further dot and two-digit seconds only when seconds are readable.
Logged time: 6.34
